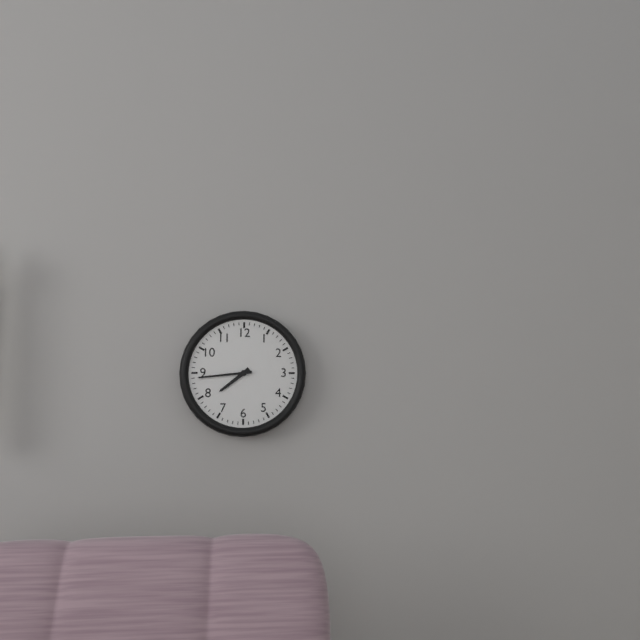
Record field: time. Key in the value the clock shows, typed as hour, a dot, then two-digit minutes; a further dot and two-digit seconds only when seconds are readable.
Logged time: 7.44
